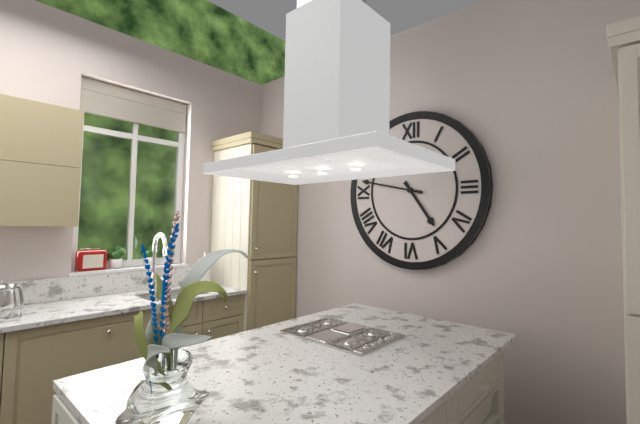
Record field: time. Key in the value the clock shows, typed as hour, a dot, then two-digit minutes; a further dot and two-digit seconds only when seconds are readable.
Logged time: 4.47
